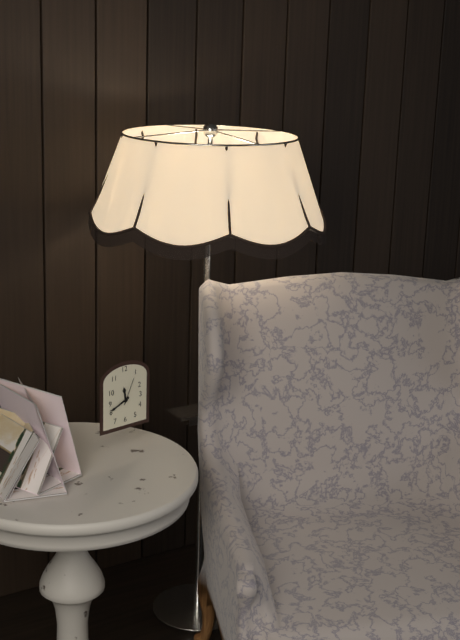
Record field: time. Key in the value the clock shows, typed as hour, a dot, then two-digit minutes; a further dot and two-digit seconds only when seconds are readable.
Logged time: 11.41
